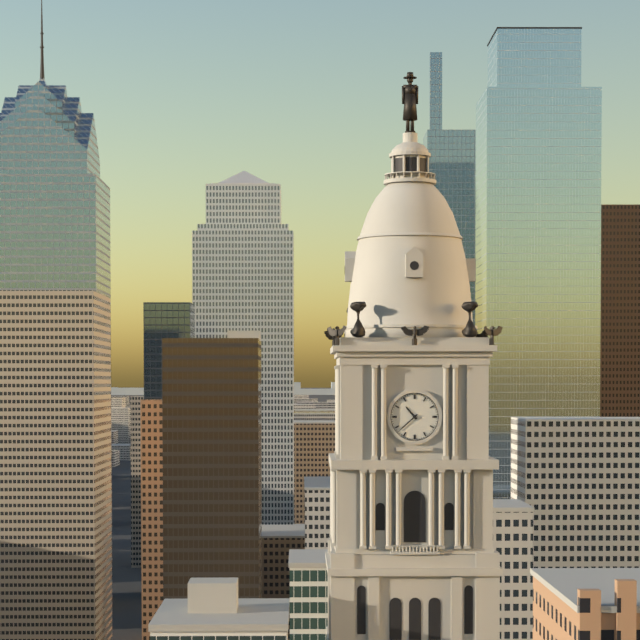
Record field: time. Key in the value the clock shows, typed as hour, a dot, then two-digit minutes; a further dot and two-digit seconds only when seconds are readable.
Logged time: 10.38
